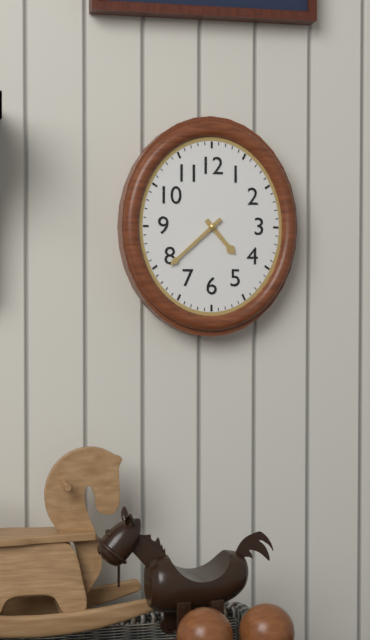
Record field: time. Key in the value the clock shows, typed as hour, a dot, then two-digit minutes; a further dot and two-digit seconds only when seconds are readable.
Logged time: 4.38
